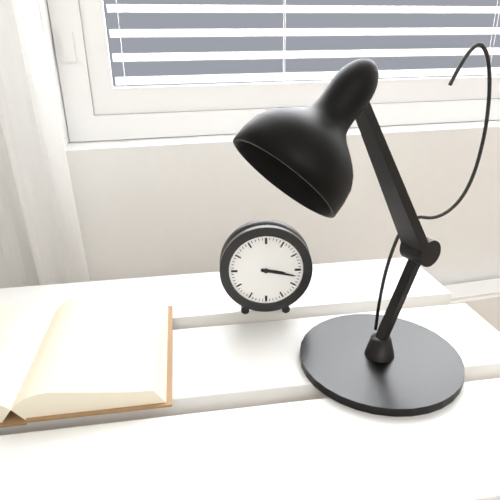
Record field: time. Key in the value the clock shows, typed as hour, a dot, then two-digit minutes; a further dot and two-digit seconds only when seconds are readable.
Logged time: 3.17
